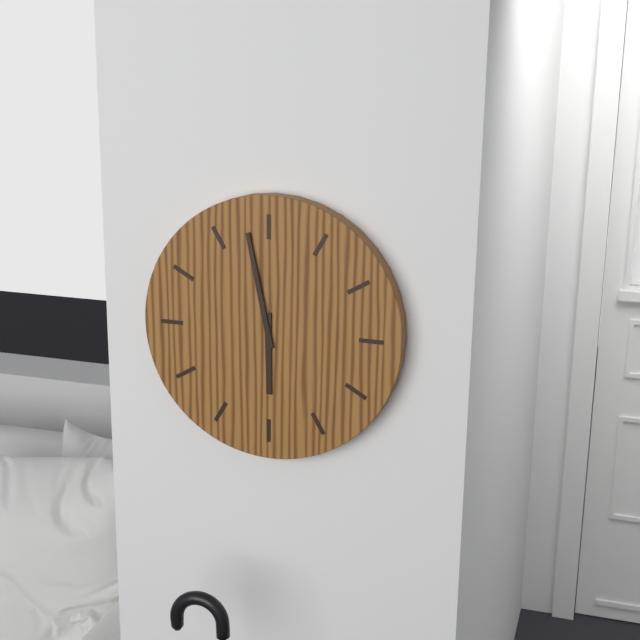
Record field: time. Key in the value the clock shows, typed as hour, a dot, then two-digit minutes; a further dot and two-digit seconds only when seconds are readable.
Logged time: 5.58
